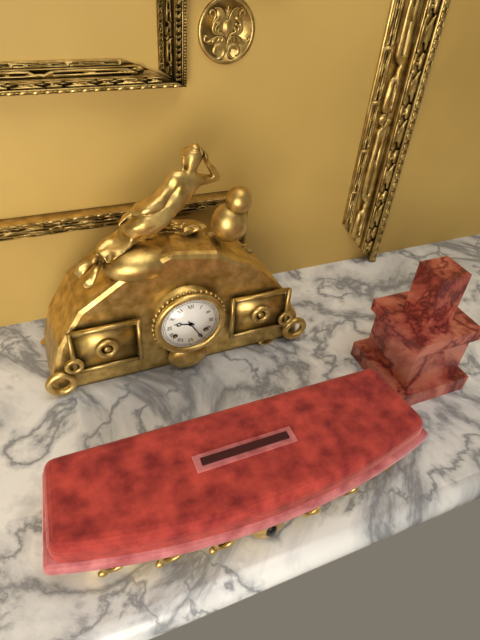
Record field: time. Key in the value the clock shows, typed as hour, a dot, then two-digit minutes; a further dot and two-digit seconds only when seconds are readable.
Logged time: 9.25
